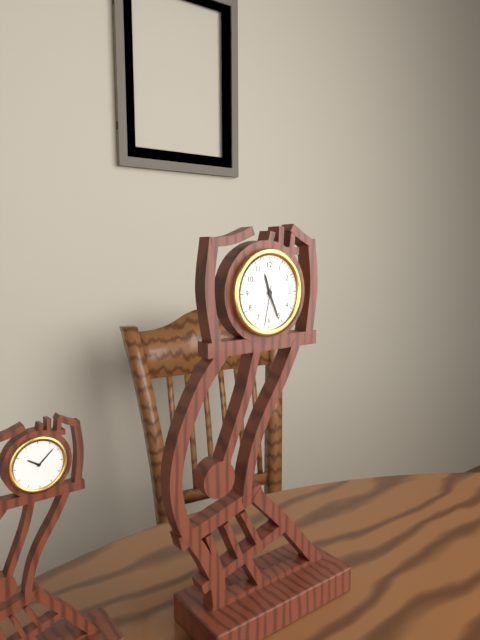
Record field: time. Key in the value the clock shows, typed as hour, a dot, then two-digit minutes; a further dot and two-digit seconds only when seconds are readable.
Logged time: 11.26
